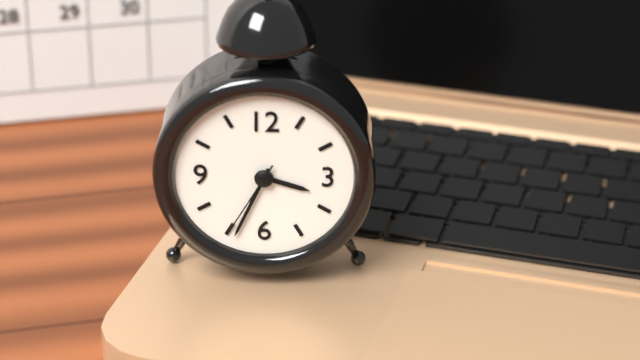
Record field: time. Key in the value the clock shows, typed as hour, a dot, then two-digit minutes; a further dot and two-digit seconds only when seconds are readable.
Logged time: 3.34.35
